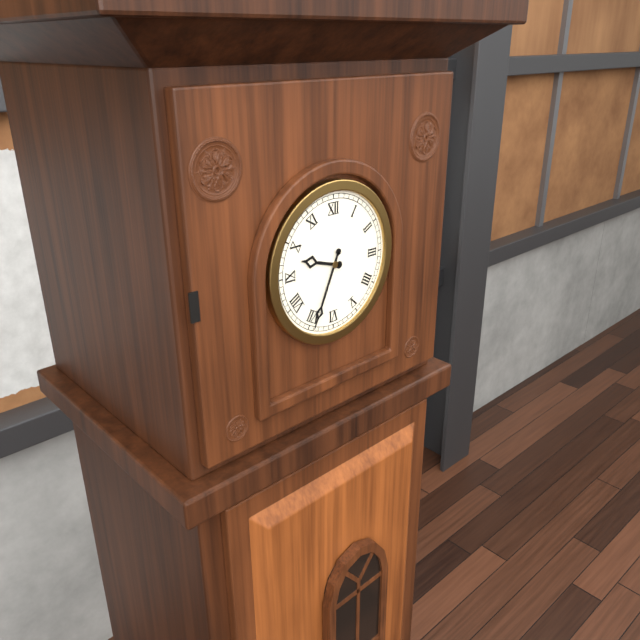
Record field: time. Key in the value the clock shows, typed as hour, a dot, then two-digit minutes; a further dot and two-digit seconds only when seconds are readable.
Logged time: 9.34
